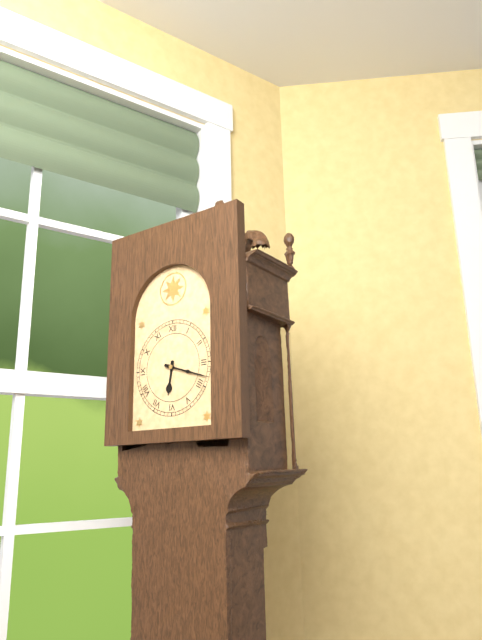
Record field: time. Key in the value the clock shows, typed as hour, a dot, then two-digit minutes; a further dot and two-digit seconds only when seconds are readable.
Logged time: 6.18
